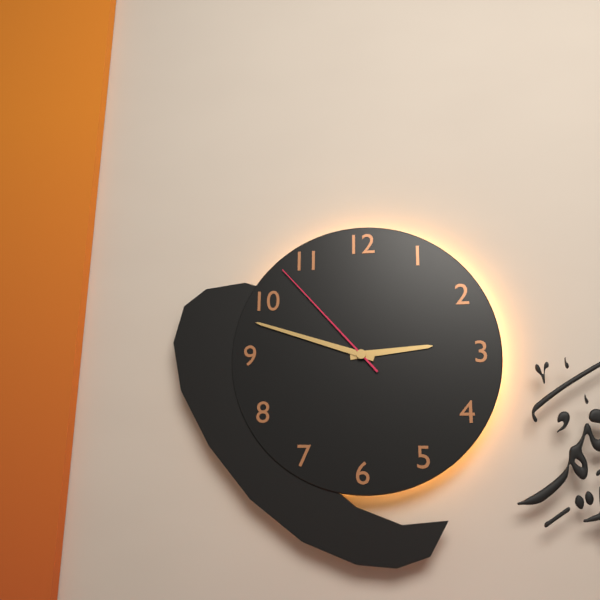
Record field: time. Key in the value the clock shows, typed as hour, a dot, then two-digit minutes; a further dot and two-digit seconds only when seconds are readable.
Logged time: 2.48.53
